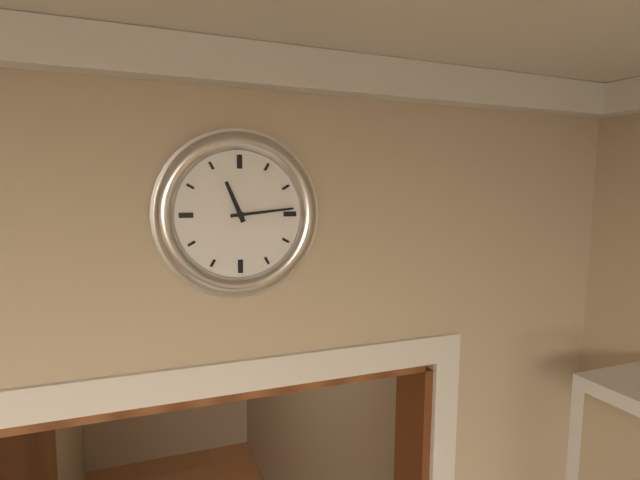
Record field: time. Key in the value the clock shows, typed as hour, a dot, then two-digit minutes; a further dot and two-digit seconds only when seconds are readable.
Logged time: 11.14
